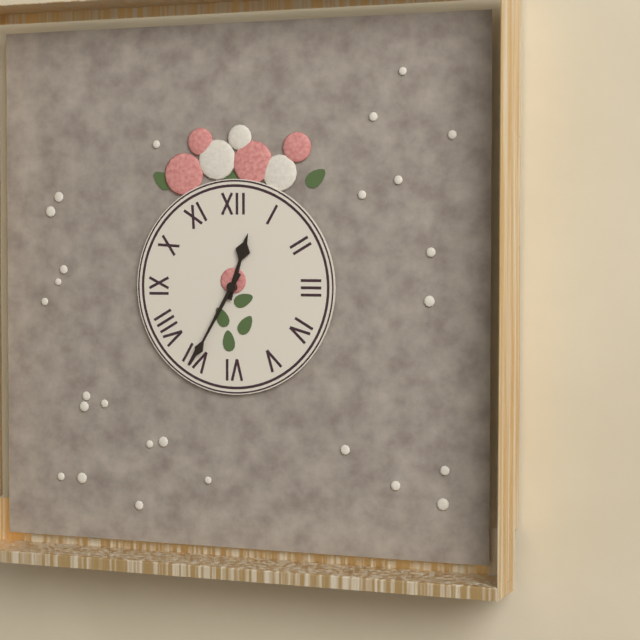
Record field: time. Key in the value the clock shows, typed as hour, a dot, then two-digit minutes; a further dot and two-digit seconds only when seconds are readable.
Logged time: 12.35
